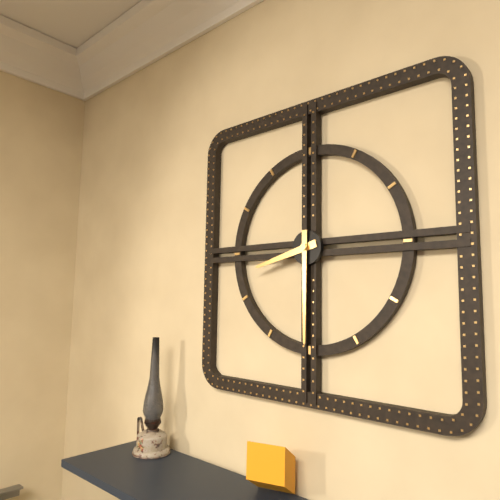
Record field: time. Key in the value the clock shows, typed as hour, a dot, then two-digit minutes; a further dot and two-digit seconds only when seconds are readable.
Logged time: 8.30
